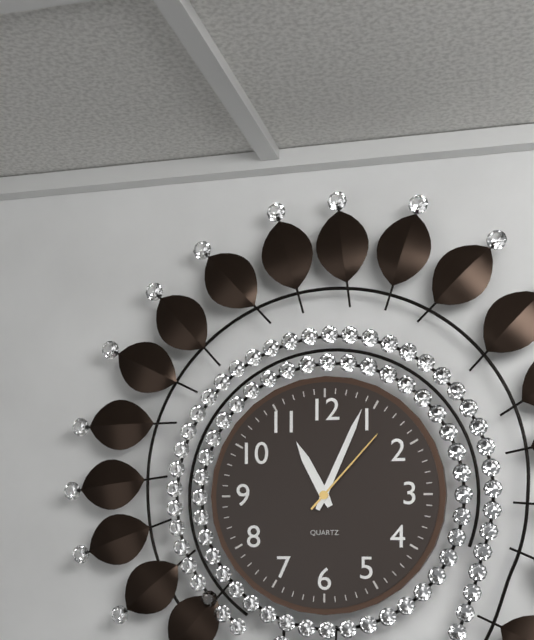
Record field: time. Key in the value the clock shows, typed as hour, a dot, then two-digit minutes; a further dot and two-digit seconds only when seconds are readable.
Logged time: 11.04.07
